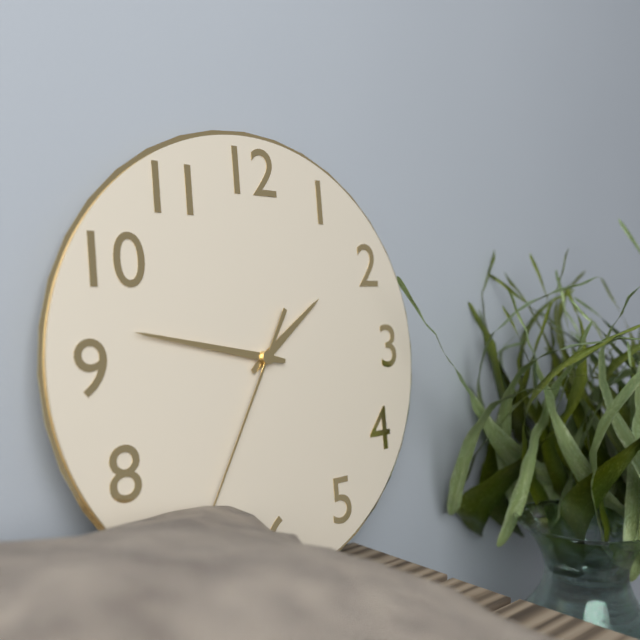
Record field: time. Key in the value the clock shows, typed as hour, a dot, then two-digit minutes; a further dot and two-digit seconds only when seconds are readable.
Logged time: 1.47.35
